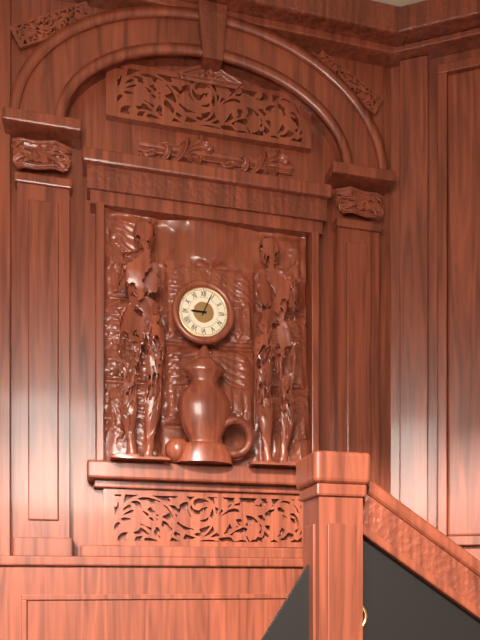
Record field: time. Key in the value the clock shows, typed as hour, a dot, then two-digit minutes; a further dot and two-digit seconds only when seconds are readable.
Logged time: 9.04
